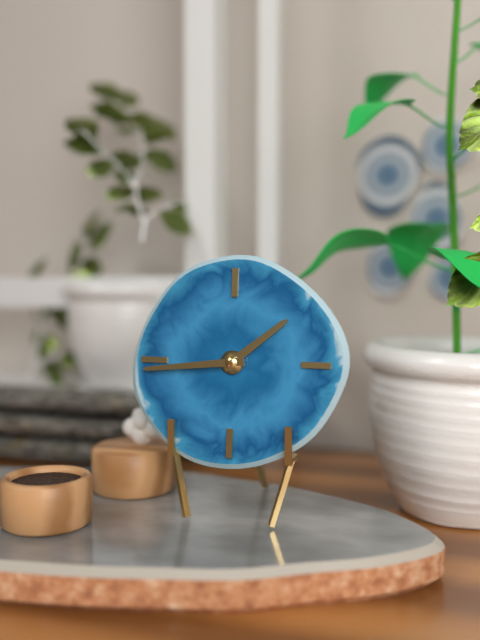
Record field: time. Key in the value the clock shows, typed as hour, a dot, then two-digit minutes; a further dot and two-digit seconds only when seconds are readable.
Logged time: 1.44
